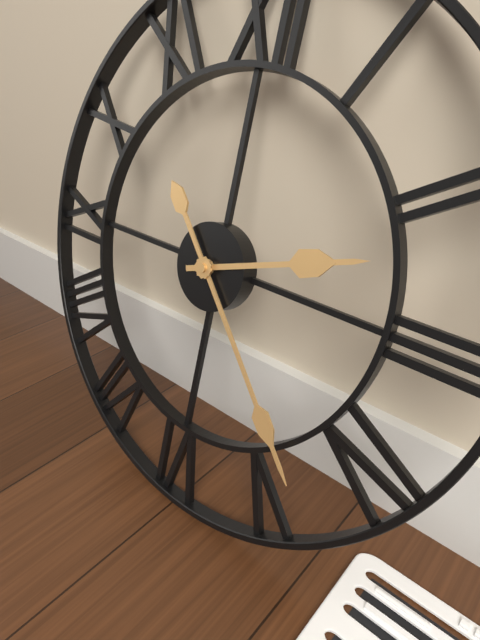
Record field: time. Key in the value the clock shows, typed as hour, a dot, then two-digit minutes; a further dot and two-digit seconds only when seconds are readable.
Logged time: 2.23
